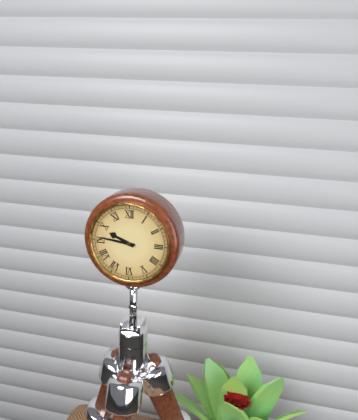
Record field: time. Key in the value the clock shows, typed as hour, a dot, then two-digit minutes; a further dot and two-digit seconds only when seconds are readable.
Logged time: 9.46
